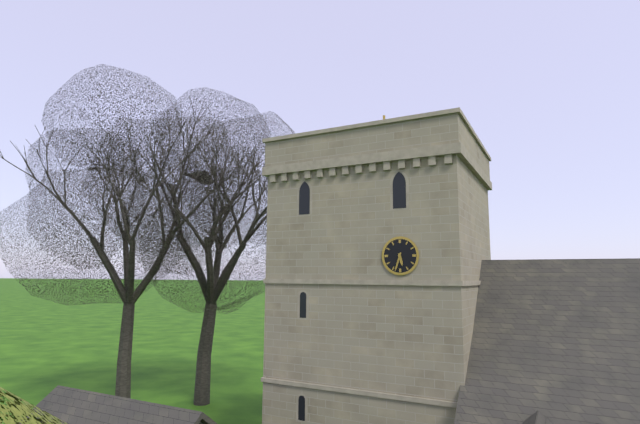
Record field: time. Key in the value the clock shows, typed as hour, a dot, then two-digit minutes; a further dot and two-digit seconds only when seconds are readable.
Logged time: 5.33
